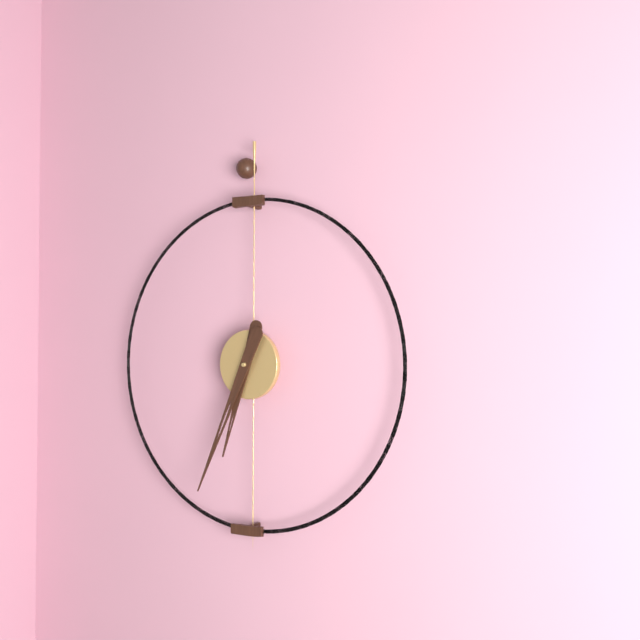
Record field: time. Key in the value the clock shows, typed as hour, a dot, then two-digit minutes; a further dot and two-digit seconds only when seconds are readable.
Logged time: 6.34
